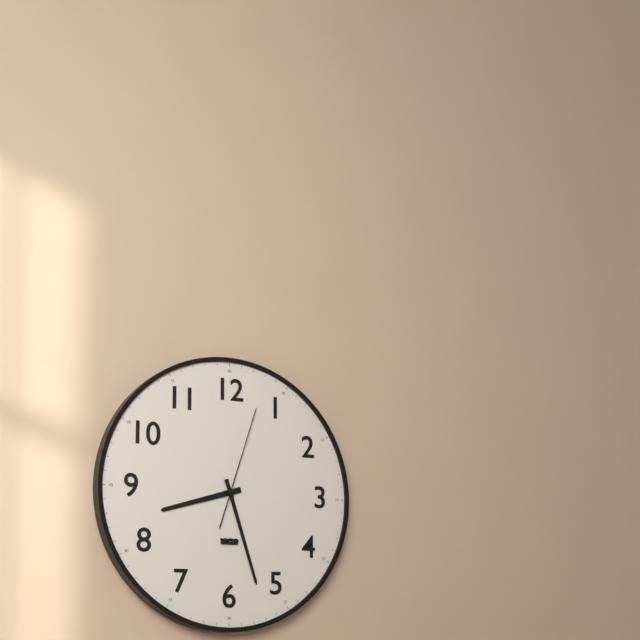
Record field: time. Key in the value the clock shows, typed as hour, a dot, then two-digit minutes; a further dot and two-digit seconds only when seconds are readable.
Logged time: 8.27.03
